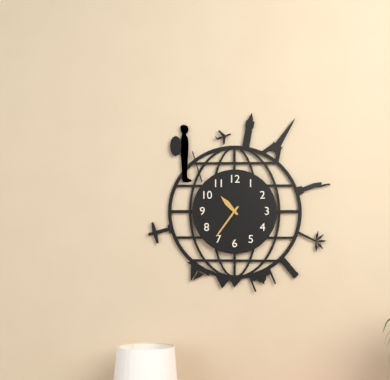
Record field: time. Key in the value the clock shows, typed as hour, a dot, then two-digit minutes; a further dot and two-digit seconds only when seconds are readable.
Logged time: 10.36
